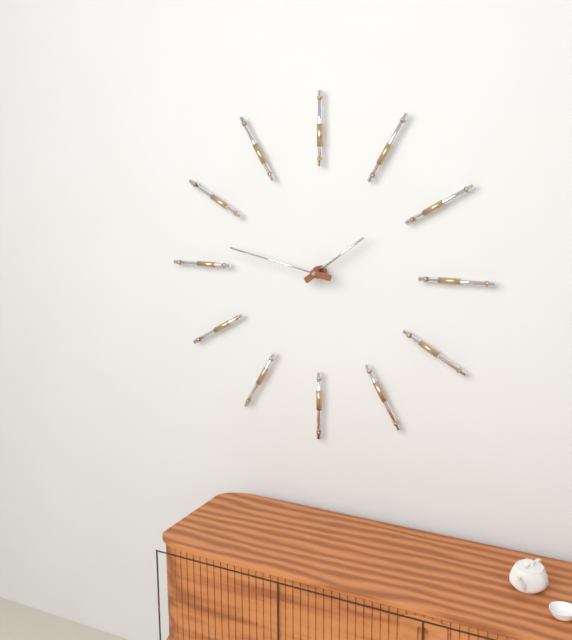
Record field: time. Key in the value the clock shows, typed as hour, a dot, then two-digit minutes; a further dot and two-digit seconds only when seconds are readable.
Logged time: 1.47
